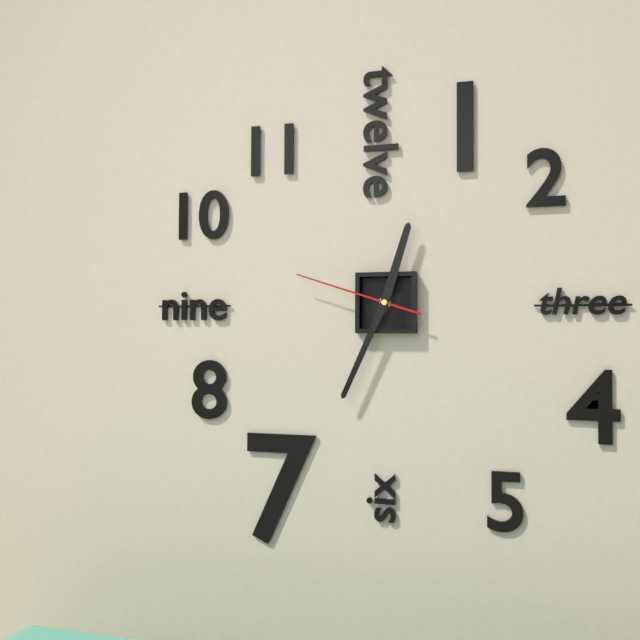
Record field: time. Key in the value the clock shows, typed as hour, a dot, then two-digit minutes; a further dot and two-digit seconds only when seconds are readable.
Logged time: 12.34.48
